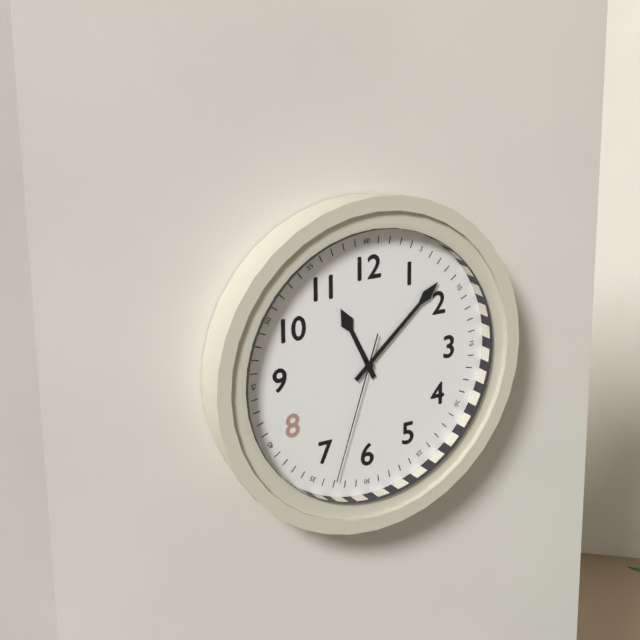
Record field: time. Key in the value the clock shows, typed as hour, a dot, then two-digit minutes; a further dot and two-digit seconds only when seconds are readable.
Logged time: 11.08.33
